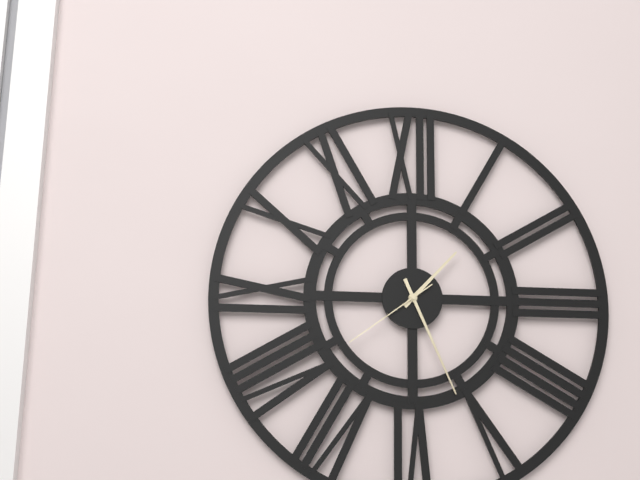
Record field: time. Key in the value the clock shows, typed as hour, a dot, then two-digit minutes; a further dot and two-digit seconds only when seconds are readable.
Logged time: 1.26.39
